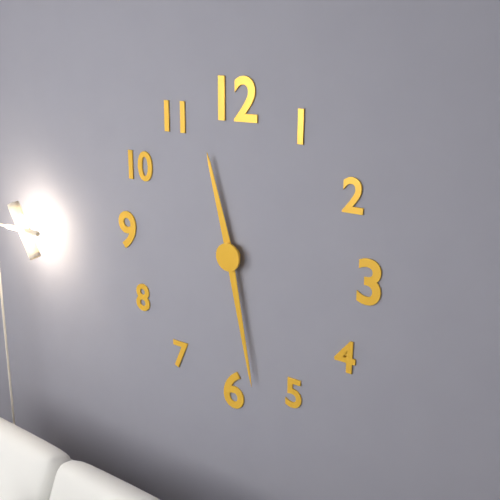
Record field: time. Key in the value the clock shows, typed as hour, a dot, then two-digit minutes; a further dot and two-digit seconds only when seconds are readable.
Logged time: 11.28
